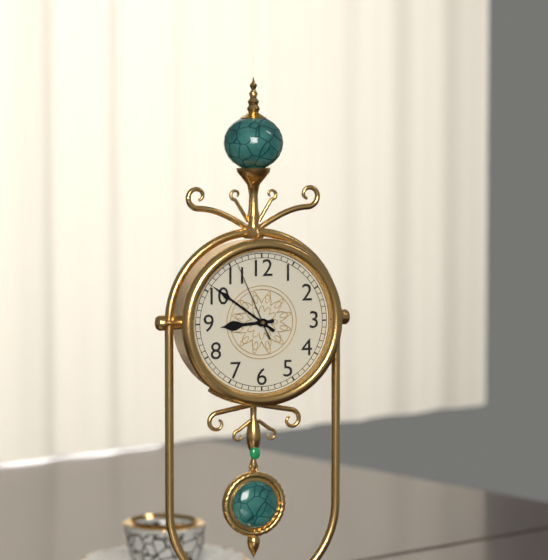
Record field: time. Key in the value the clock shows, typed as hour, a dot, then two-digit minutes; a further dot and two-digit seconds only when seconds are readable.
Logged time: 8.51.56
